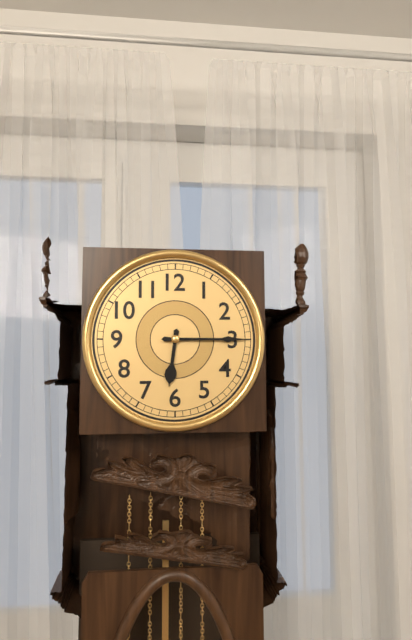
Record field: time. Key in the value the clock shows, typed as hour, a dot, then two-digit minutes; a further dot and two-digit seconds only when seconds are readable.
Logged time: 6.15
